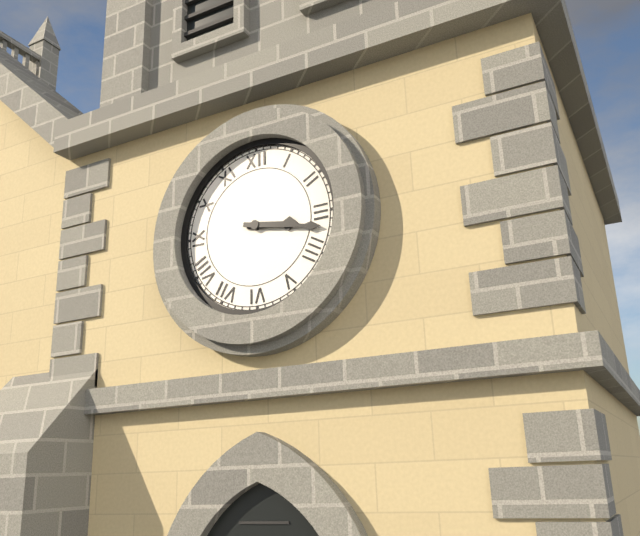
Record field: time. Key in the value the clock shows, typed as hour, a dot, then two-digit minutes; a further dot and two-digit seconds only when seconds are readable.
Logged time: 3.17
